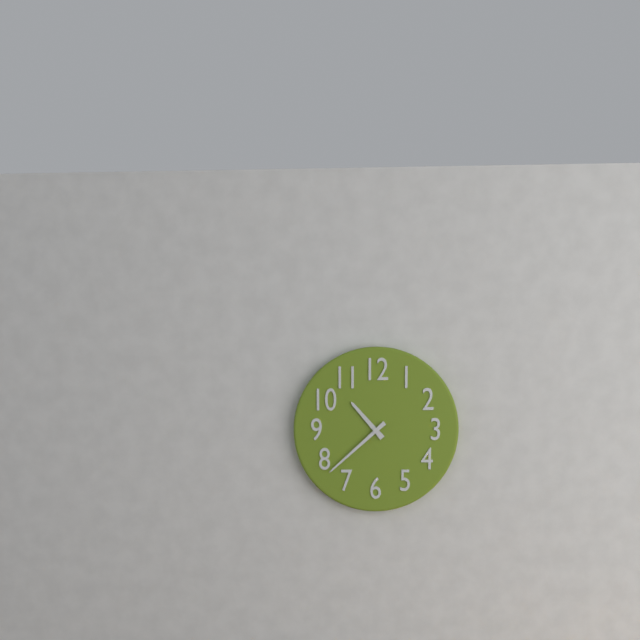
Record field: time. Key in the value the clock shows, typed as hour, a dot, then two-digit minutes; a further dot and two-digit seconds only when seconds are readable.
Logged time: 10.38
